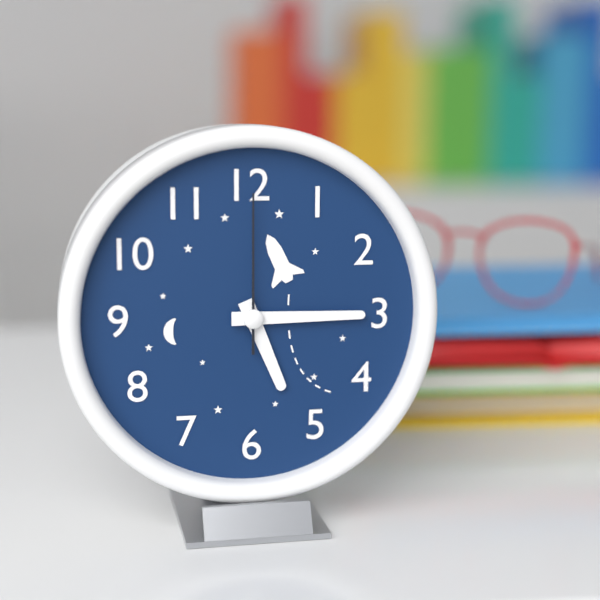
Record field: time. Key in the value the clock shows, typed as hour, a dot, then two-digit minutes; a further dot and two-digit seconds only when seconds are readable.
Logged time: 5.15.00
